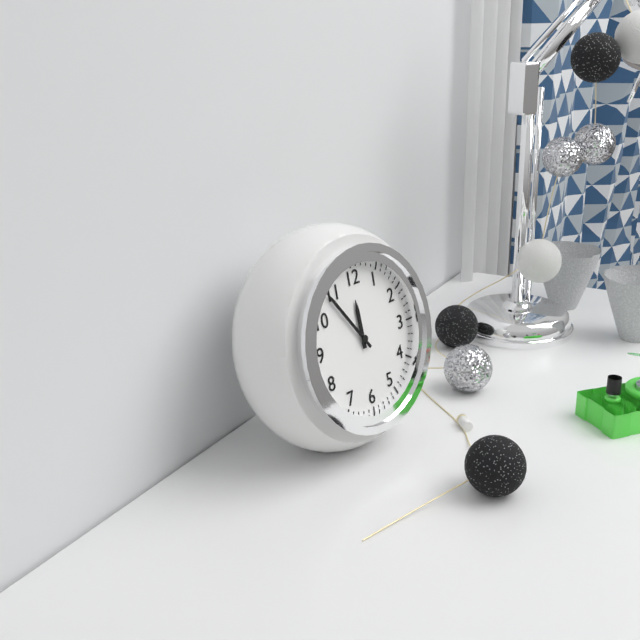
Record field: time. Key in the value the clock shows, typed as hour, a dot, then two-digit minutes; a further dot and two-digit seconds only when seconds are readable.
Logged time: 11.54
